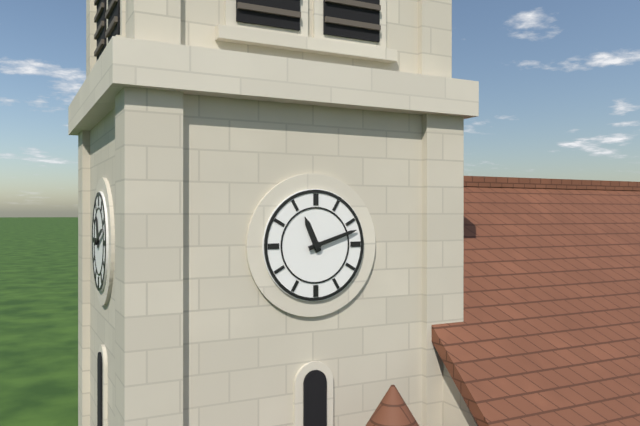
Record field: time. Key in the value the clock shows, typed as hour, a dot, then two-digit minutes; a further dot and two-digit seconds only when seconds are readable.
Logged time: 11.12
